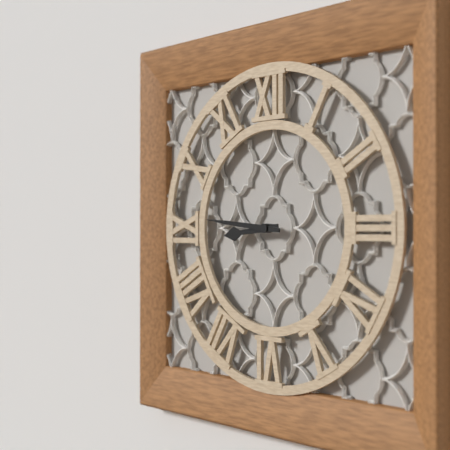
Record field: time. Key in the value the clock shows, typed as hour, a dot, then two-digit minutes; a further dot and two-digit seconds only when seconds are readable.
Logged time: 8.46
